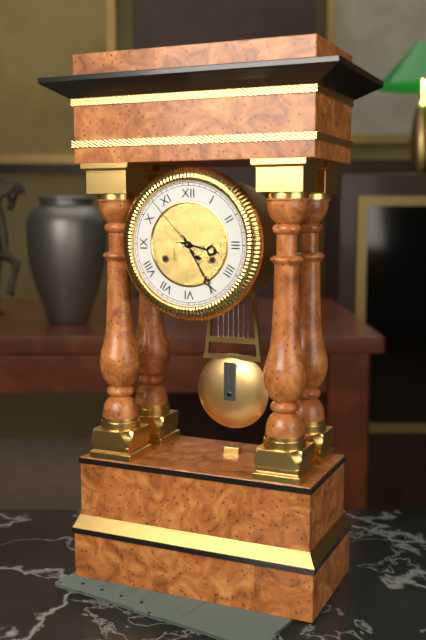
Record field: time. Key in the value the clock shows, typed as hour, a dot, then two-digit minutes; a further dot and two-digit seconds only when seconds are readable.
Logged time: 3.25.53
